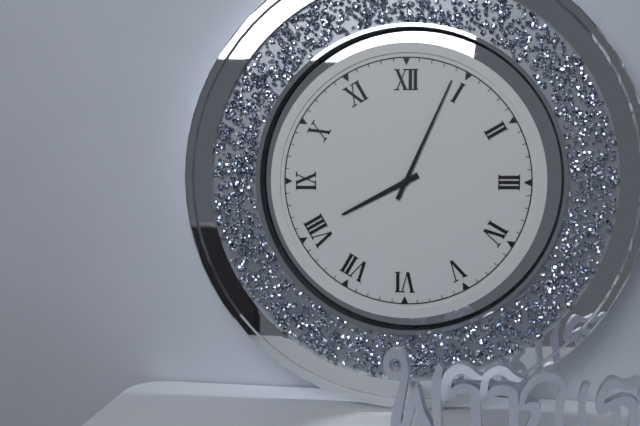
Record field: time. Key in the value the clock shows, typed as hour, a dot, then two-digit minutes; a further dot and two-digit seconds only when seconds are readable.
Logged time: 8.04
